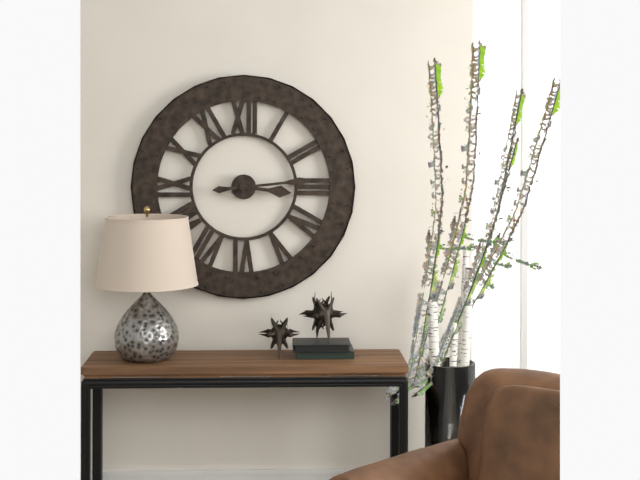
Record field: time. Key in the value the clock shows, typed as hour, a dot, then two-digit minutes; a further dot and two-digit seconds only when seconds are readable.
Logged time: 3.14
